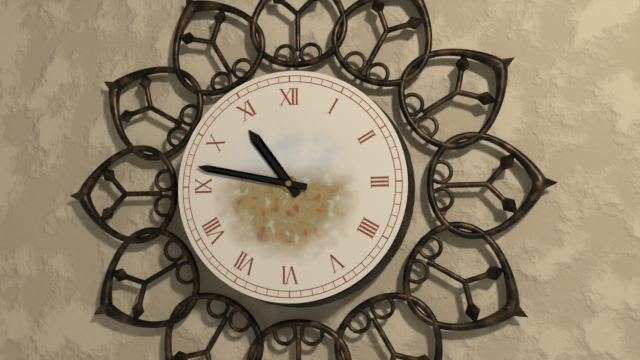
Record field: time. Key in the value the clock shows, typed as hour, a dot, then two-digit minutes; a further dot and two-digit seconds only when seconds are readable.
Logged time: 10.47
